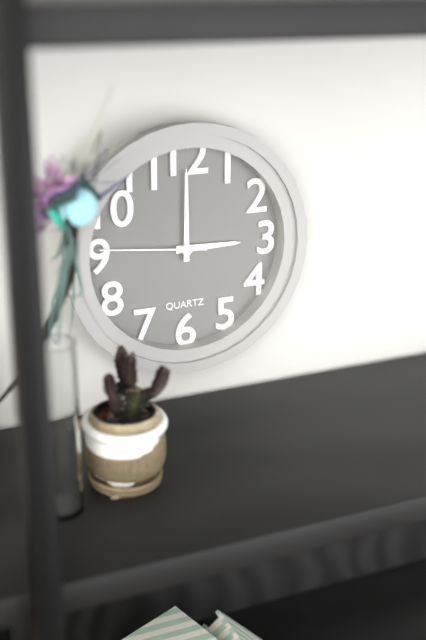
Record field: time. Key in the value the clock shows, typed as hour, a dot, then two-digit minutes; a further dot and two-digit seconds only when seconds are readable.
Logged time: 3.00.46
